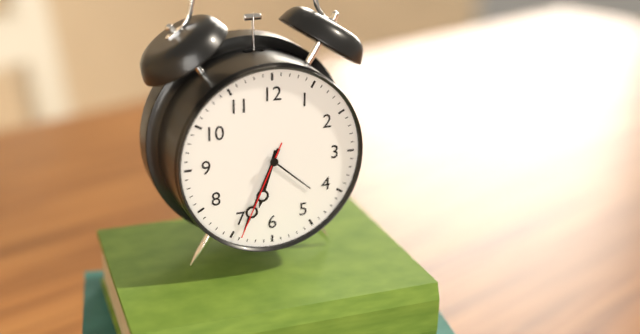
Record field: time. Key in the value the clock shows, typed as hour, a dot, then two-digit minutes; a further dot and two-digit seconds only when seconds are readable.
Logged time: 6.34.34
